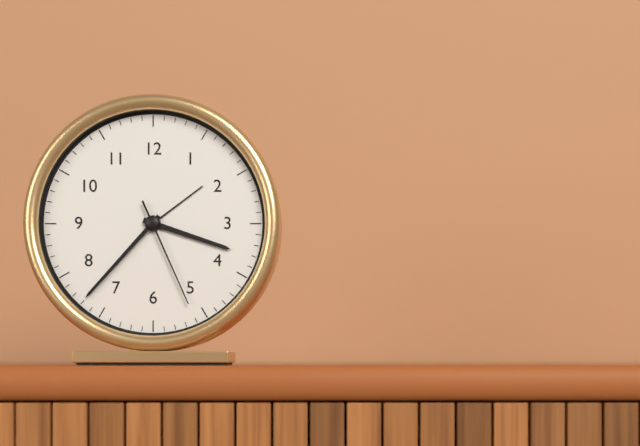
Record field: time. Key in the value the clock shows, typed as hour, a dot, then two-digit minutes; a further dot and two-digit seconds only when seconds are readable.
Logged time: 3.37.26
